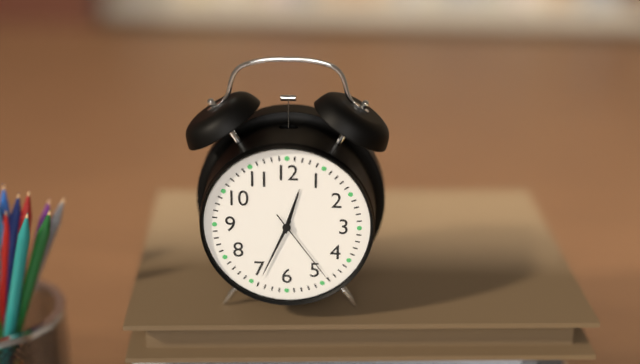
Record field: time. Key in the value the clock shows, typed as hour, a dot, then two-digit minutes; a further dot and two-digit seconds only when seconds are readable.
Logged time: 12.34.24
